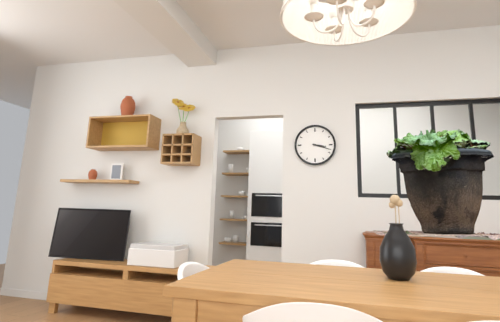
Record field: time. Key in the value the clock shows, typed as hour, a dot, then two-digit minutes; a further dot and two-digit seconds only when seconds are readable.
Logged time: 3.18
